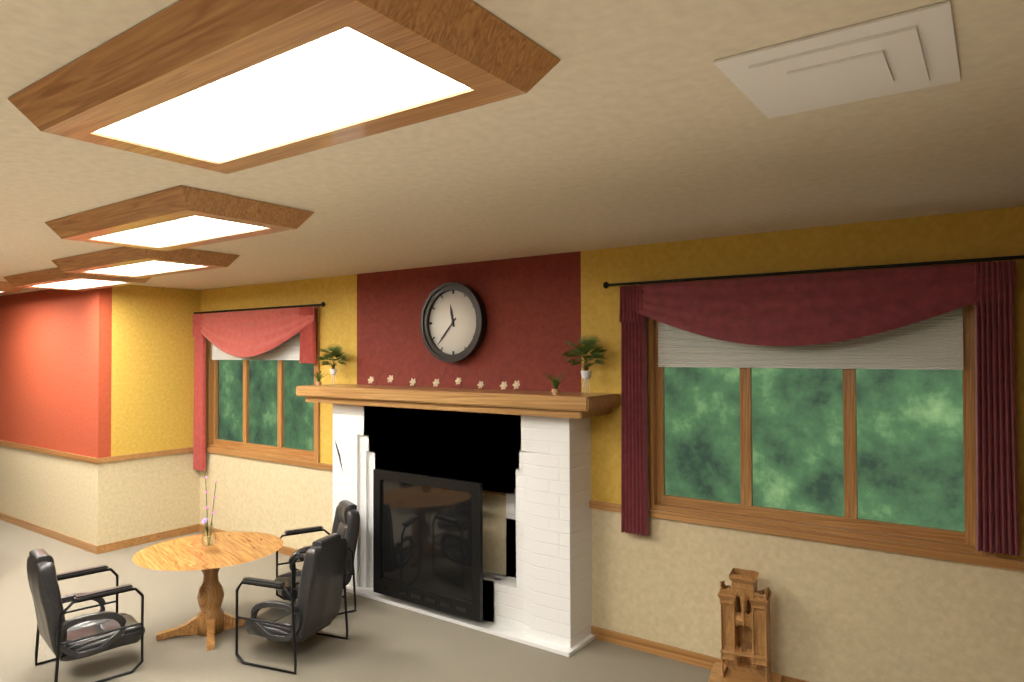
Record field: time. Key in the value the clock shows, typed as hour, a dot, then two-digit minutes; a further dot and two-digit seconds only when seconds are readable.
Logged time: 11.37
